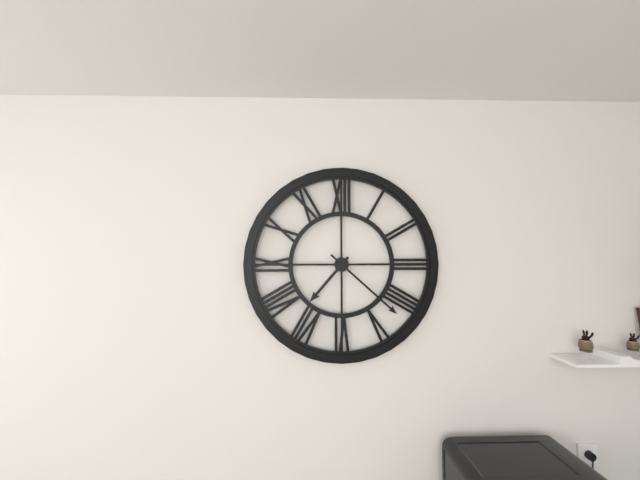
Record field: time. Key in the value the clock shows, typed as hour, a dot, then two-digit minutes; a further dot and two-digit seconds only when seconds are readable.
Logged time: 7.22
